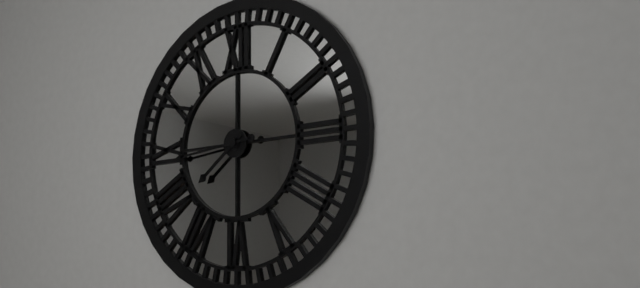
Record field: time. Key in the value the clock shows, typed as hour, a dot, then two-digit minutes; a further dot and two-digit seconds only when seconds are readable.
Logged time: 7.44
